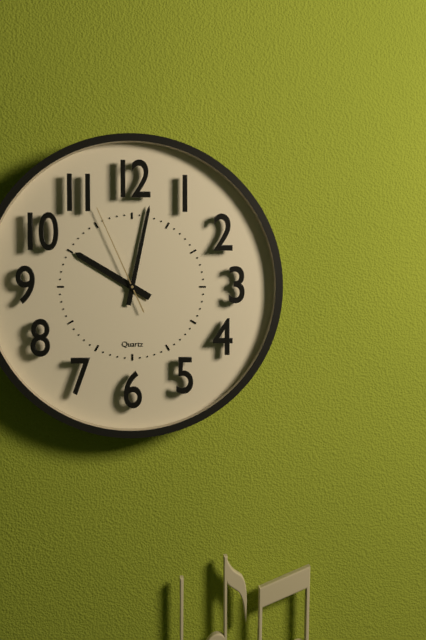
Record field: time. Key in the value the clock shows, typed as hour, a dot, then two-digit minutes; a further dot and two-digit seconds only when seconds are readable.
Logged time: 10.02.56
